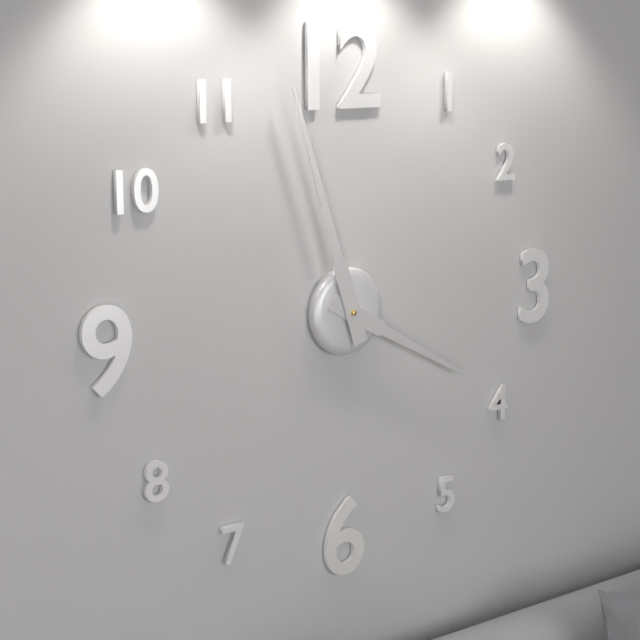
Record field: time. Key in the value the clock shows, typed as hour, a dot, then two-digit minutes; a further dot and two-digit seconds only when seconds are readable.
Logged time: 3.57
